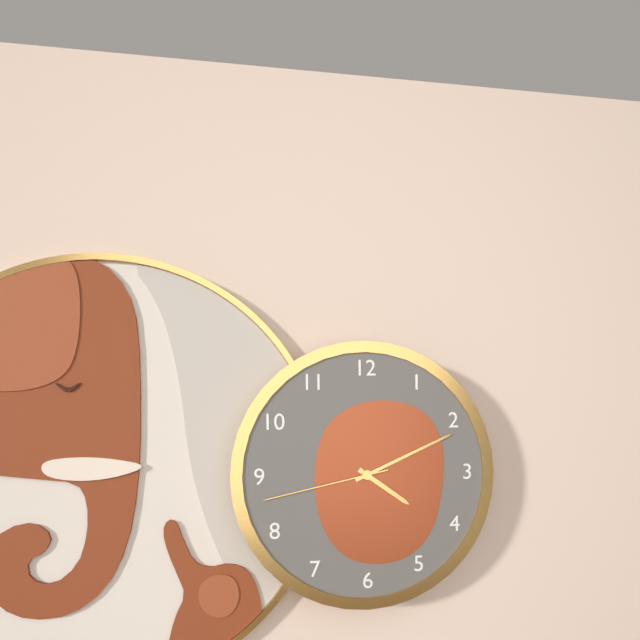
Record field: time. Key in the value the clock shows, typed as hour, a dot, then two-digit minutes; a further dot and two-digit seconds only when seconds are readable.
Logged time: 4.11.43
